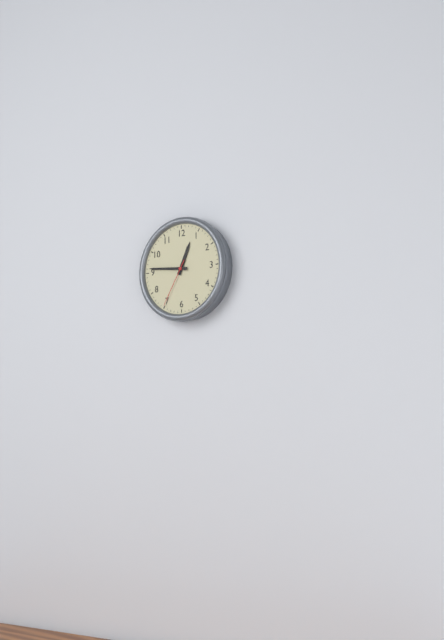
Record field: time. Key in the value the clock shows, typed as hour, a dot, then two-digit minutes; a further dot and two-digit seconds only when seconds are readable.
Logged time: 12.46.35
